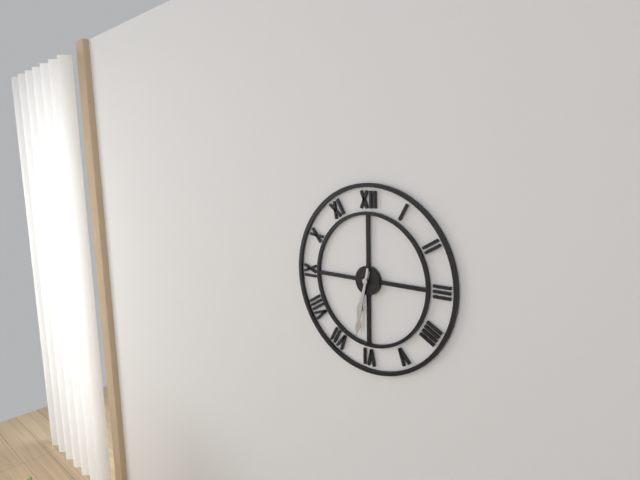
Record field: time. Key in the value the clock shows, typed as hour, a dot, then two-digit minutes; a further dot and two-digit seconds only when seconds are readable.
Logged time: 6.32
